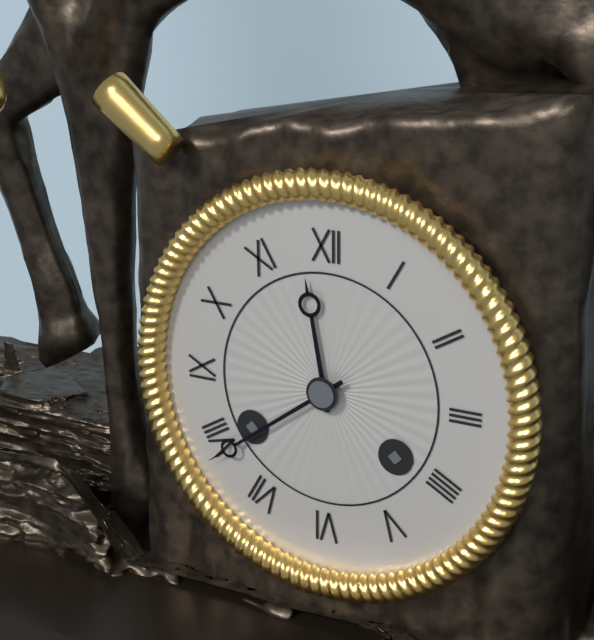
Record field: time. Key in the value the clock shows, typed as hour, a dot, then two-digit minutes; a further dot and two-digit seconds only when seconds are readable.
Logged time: 11.39
